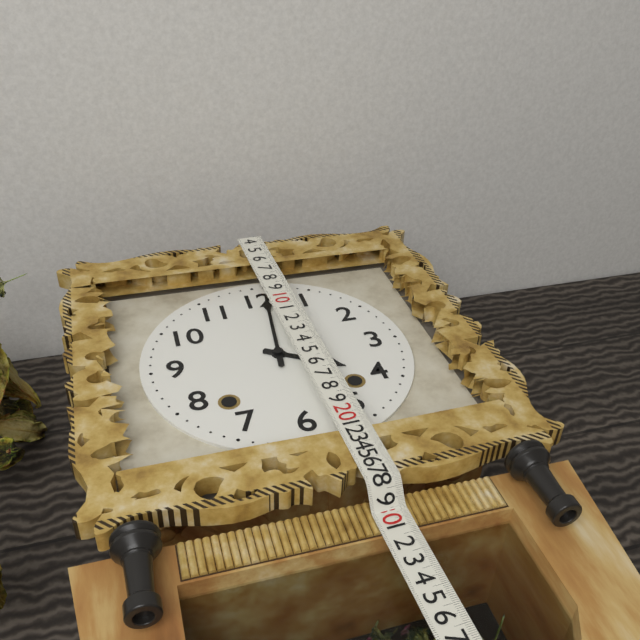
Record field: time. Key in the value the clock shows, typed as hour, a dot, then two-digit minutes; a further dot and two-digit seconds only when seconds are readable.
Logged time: 4.01
